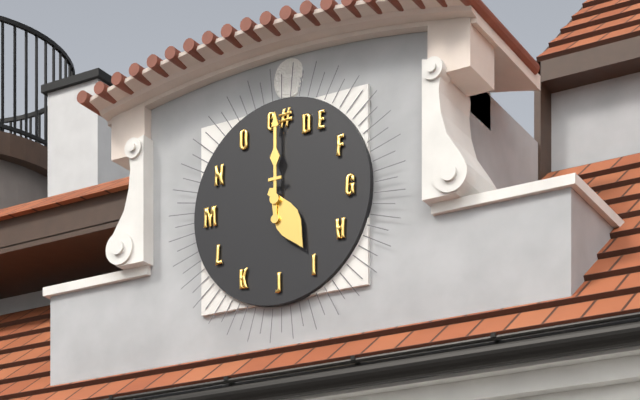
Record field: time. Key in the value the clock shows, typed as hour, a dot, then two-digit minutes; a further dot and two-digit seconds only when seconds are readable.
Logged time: 5.00
